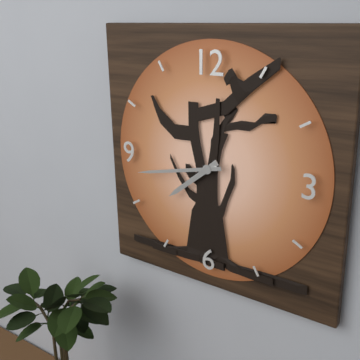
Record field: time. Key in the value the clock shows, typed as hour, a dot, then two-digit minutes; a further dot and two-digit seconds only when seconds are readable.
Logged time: 7.43
